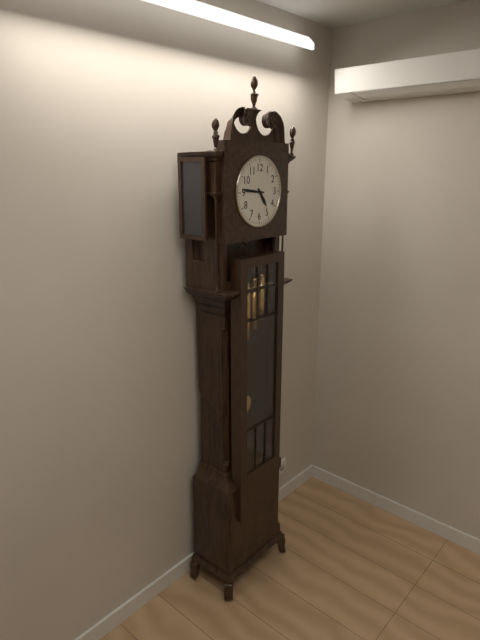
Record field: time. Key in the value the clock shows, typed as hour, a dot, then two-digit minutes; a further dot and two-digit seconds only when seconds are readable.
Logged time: 4.46
